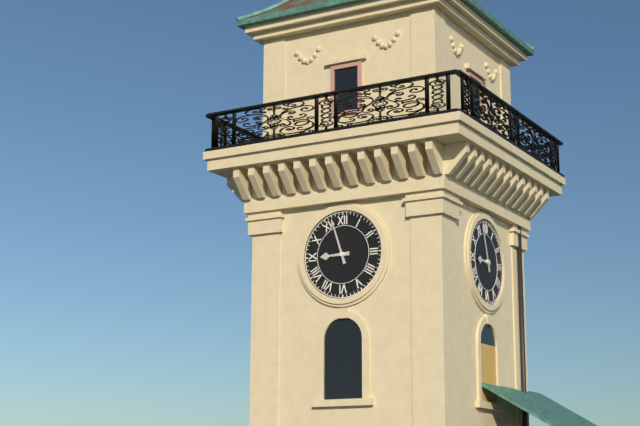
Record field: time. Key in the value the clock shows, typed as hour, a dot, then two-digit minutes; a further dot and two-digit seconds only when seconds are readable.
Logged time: 8.57
